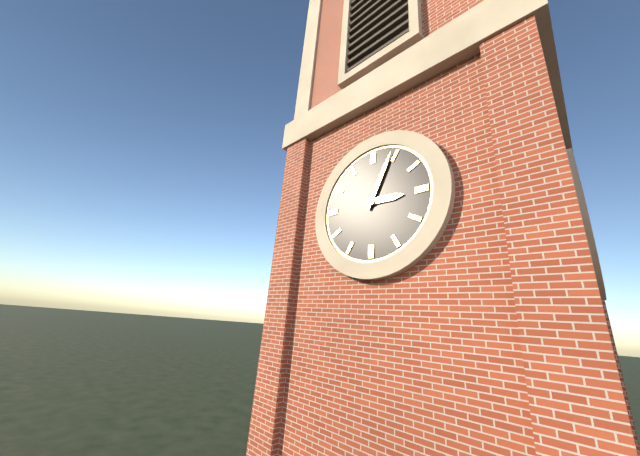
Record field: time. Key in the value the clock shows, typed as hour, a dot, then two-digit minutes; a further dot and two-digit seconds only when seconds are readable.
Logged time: 3.04
